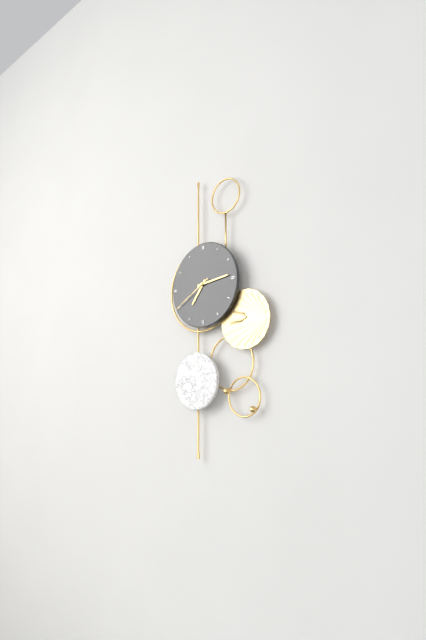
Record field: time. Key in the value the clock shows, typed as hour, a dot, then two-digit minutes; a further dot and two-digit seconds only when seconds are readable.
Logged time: 7.14
